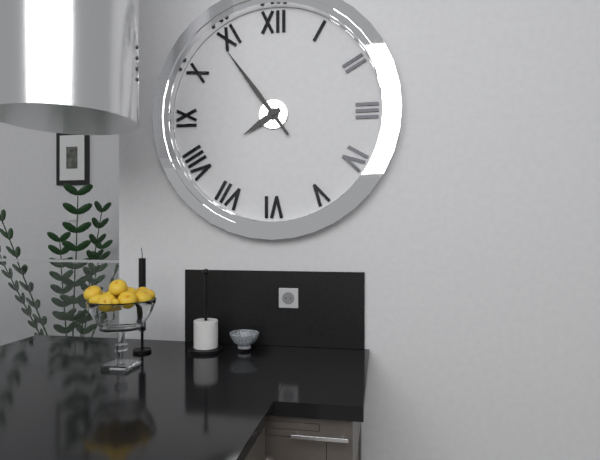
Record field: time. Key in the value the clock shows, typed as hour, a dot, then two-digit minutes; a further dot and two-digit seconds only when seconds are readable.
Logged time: 7.54
